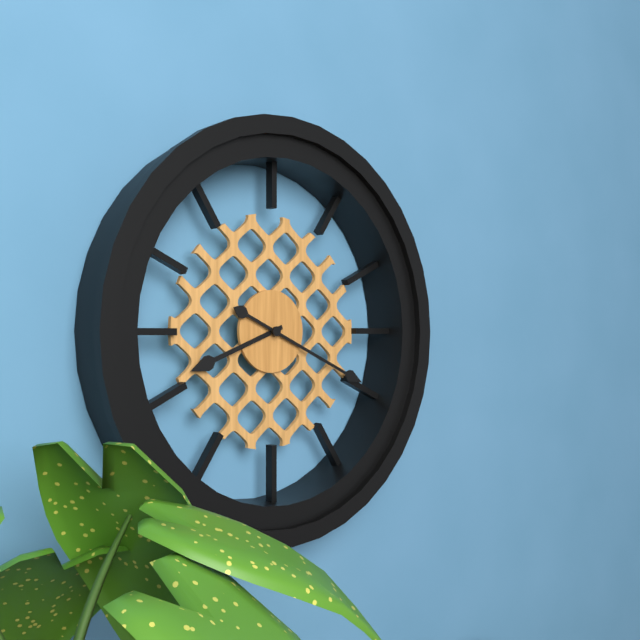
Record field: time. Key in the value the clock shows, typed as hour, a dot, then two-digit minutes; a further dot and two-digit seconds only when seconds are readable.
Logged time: 8.19
